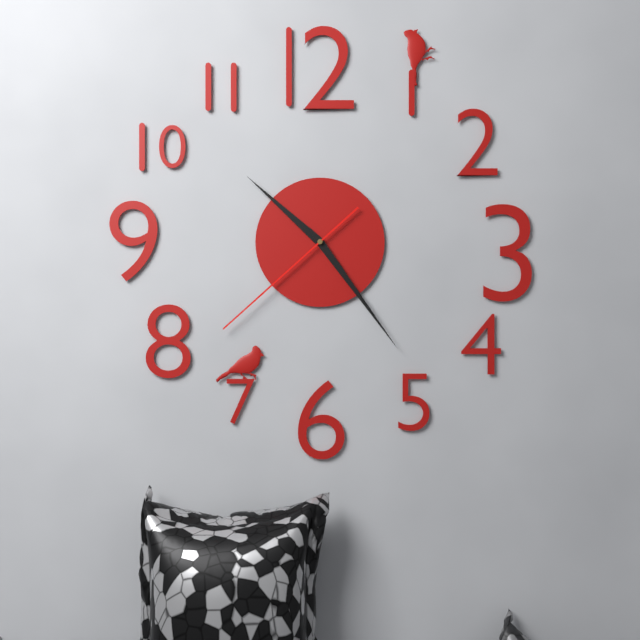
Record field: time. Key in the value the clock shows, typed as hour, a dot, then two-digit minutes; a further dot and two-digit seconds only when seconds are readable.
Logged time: 10.24.38
